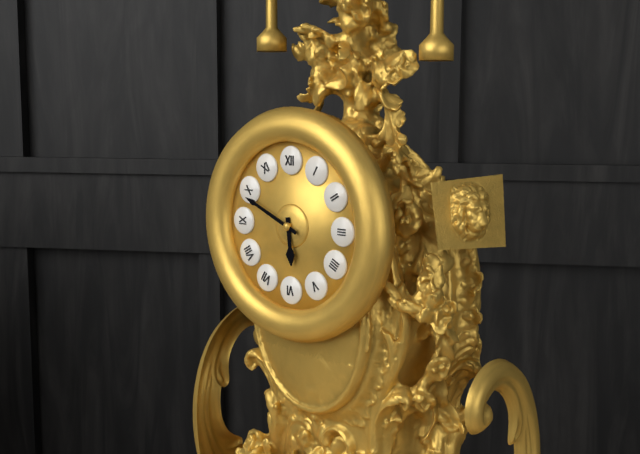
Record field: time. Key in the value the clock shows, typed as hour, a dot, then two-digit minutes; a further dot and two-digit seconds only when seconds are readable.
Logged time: 5.49
